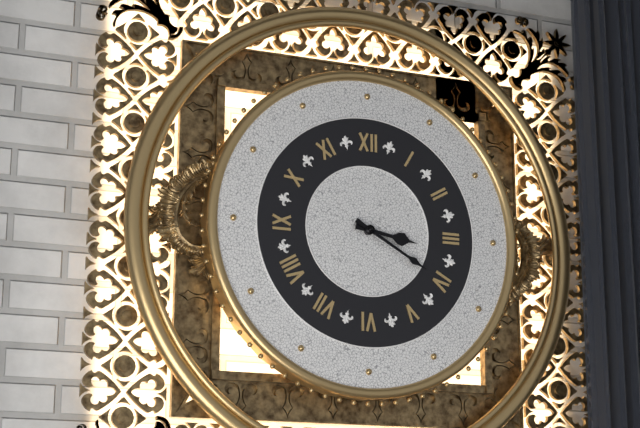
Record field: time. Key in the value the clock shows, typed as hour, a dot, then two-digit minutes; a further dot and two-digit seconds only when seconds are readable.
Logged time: 3.20
